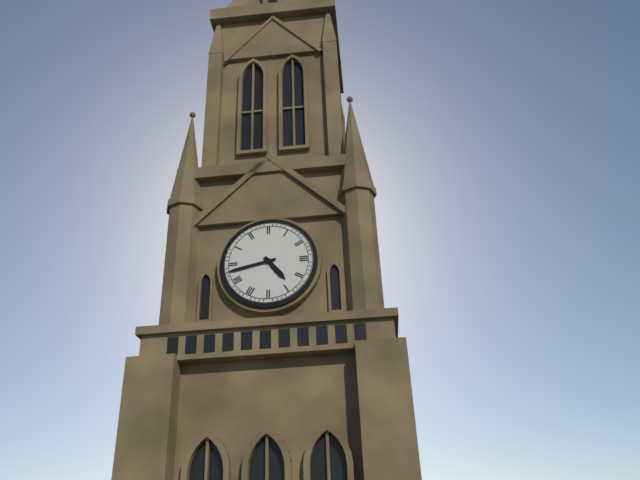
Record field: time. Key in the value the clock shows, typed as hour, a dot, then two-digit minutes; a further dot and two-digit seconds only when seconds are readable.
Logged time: 4.43
